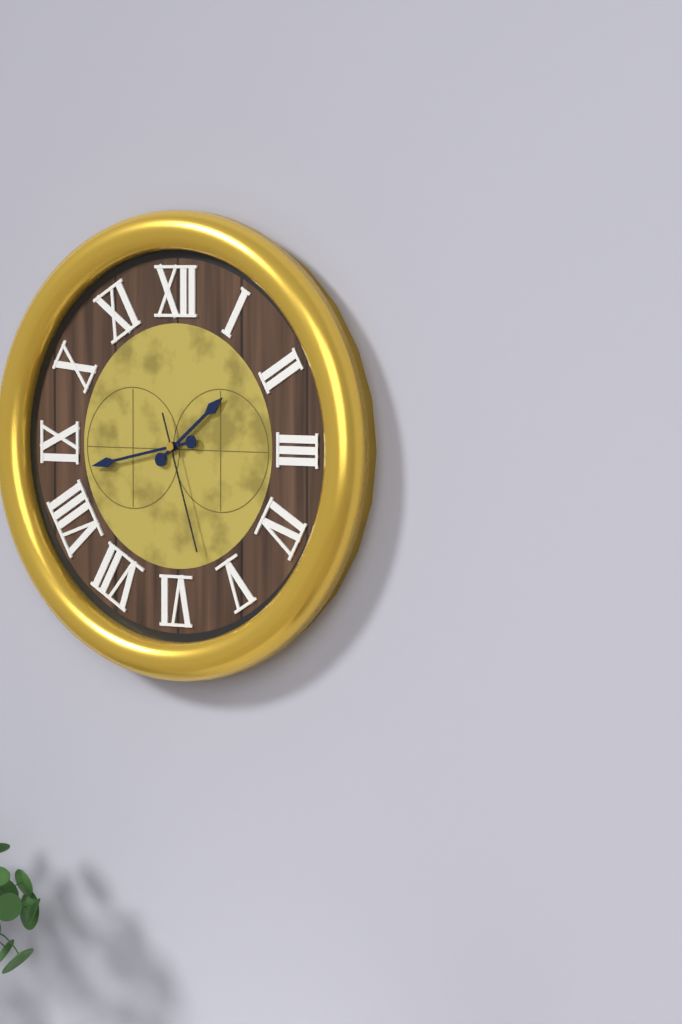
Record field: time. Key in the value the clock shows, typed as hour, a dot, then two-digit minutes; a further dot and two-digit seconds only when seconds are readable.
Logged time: 1.43.27
